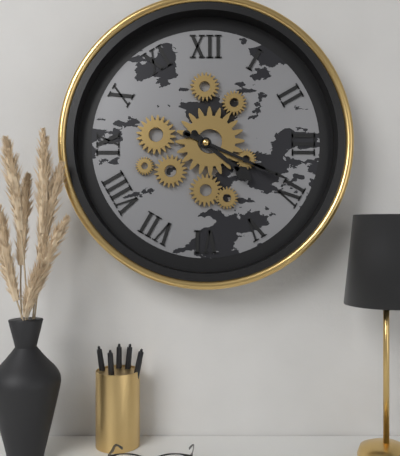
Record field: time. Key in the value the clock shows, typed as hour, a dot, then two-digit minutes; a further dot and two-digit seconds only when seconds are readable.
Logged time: 4.19
